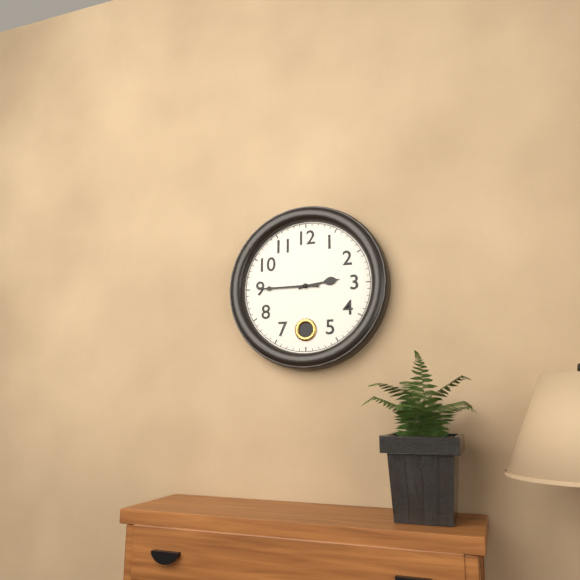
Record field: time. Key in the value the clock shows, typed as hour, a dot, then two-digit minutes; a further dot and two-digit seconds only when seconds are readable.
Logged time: 2.45
